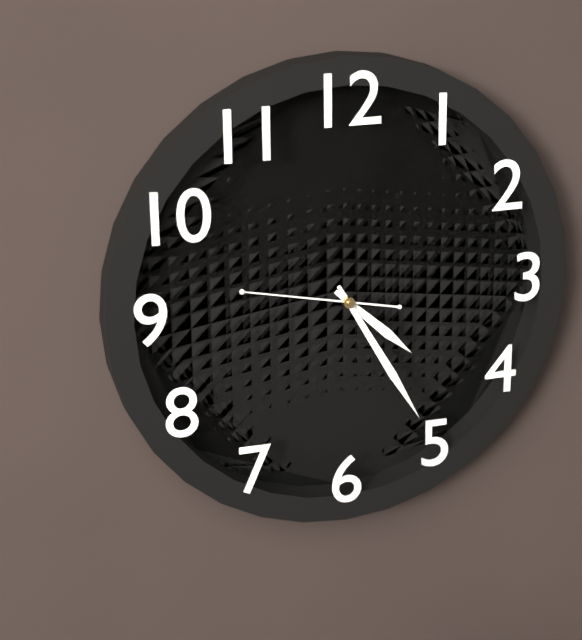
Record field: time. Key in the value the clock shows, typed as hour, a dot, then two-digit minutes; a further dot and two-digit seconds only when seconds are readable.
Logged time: 4.25.47
